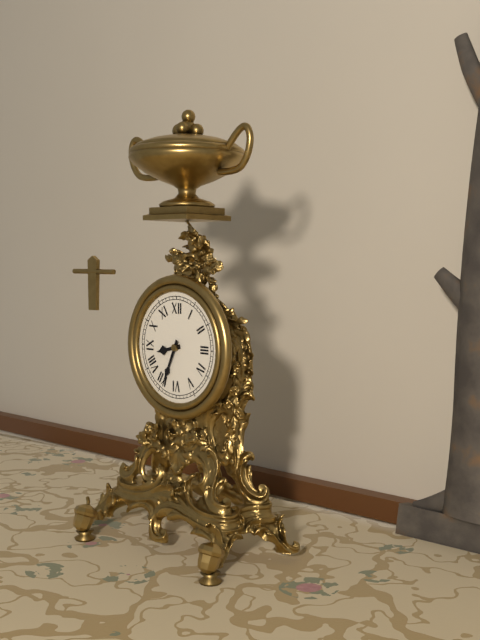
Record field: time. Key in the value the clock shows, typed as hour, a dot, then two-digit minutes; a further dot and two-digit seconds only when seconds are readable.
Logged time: 8.34
